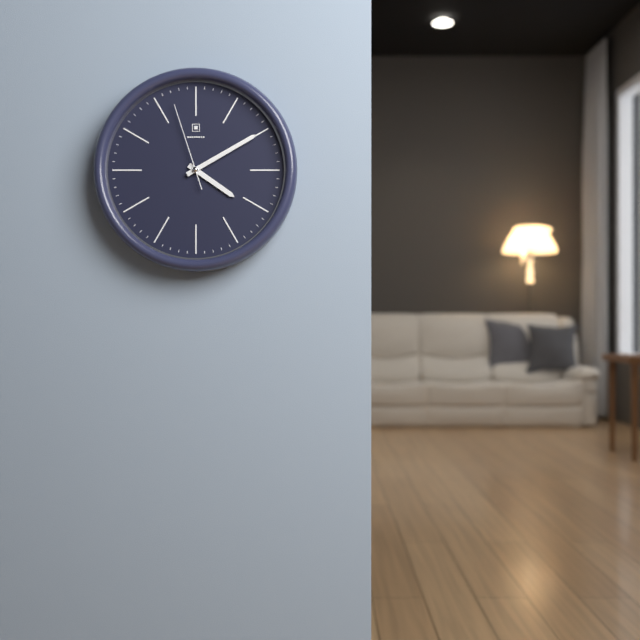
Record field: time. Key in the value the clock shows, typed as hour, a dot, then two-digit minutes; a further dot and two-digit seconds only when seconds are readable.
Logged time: 4.10.57
